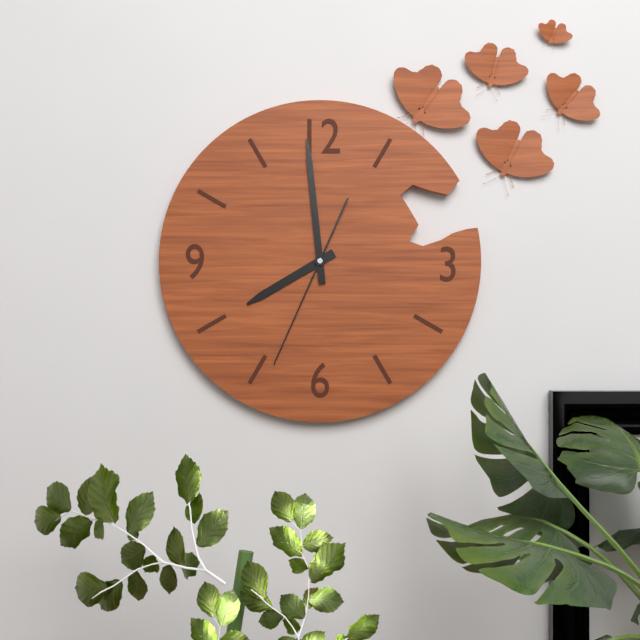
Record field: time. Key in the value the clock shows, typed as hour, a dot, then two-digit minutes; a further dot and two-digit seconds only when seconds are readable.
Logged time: 7.59.34
